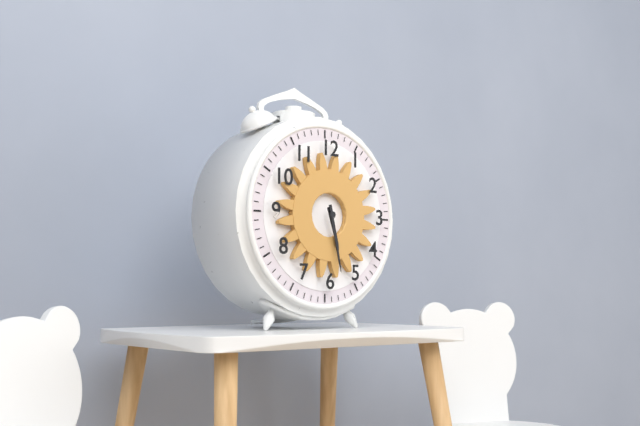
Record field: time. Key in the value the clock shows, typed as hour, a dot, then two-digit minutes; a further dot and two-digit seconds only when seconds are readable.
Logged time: 5.28
